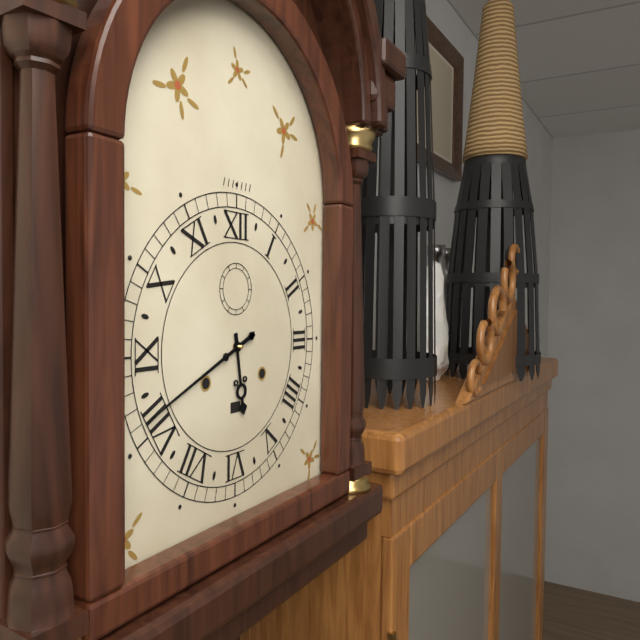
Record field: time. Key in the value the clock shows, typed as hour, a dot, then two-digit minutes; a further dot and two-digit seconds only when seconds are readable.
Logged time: 5.41
